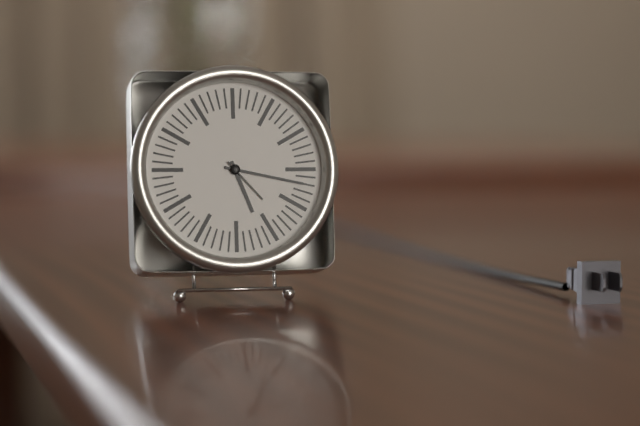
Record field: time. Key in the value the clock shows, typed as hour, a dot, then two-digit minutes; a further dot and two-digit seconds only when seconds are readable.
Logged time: 5.17.23
